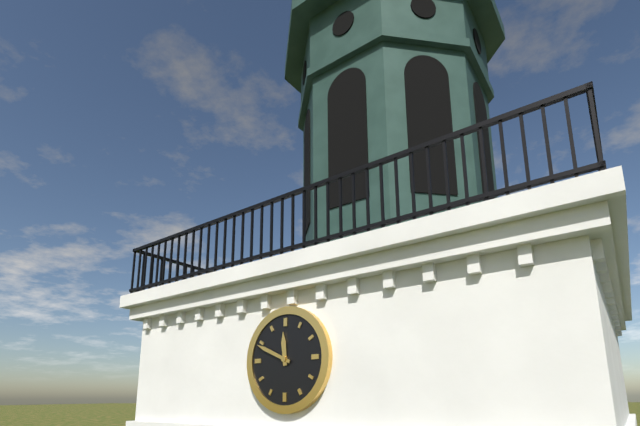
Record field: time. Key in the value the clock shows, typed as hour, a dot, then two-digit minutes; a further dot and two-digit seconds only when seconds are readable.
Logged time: 11.49
